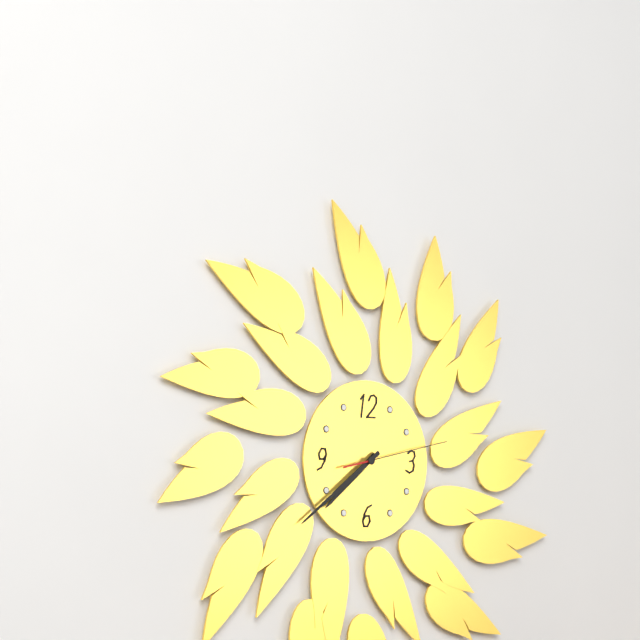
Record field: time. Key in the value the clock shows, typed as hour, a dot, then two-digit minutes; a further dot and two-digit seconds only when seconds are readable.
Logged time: 7.39.13
